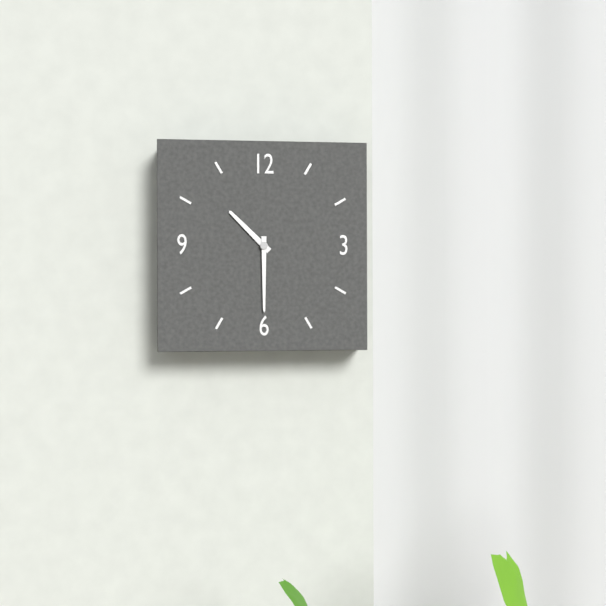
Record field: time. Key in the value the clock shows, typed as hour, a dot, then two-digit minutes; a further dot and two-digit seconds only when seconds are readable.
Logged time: 10.30
